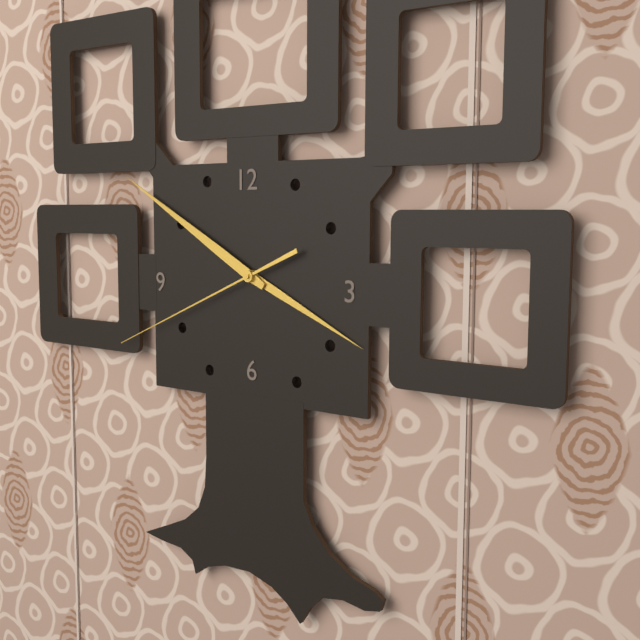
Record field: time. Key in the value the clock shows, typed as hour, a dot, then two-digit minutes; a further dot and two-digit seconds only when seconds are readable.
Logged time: 3.50.41
